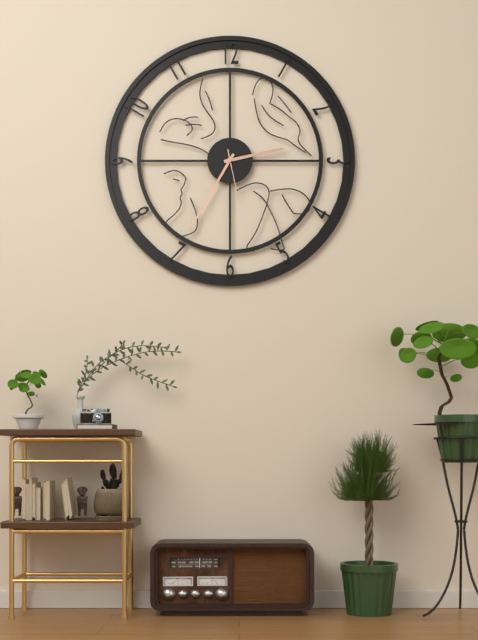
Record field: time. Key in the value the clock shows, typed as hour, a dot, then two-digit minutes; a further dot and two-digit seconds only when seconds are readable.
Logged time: 2.35
